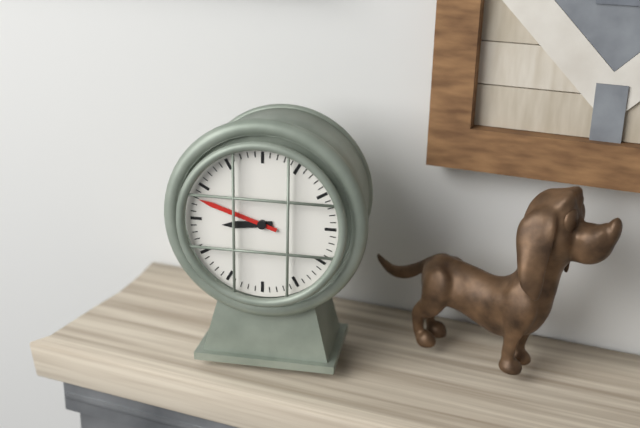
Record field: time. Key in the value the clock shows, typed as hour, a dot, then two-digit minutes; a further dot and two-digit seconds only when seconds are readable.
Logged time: 8.48
